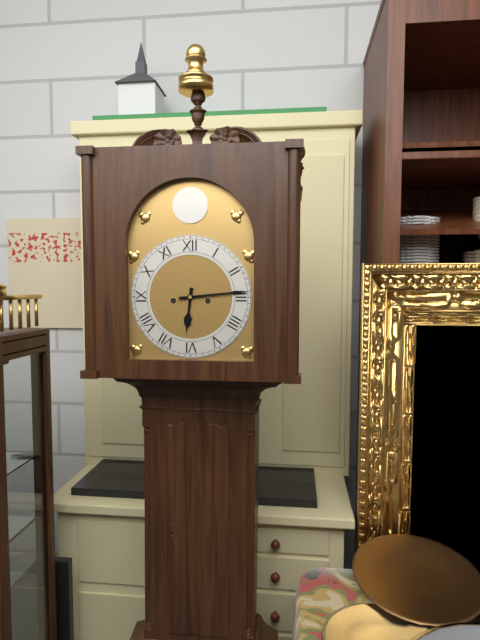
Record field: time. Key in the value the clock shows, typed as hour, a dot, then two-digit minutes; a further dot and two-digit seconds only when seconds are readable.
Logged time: 6.14
